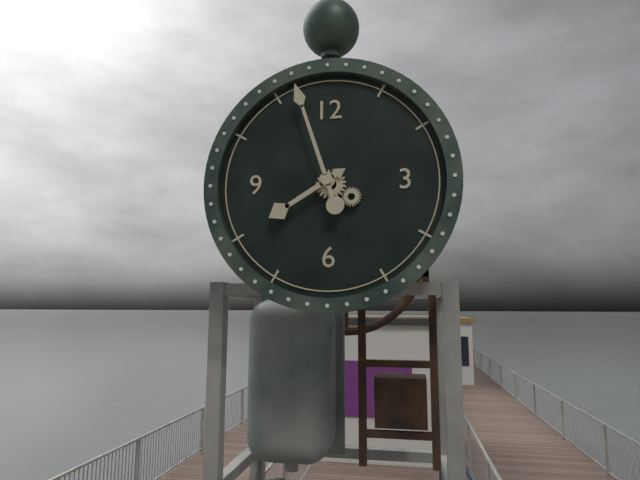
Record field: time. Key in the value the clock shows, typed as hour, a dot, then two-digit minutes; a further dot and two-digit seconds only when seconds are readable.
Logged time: 7.57
